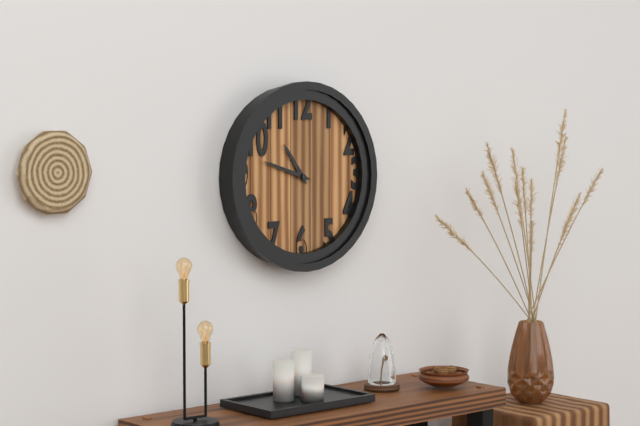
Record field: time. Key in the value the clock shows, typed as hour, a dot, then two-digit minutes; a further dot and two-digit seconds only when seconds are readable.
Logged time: 10.48
